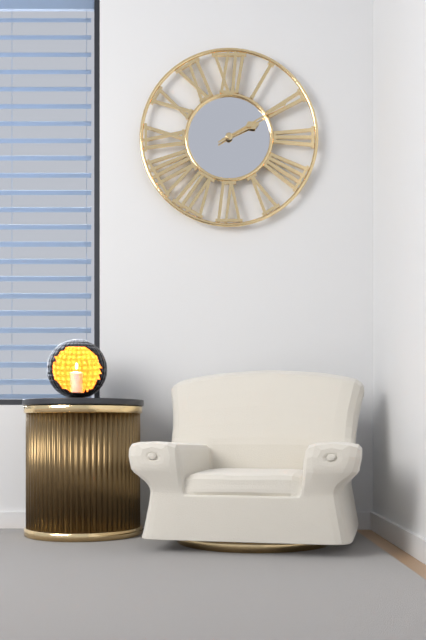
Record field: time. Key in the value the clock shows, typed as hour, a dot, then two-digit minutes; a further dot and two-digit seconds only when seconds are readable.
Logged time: 2.10
